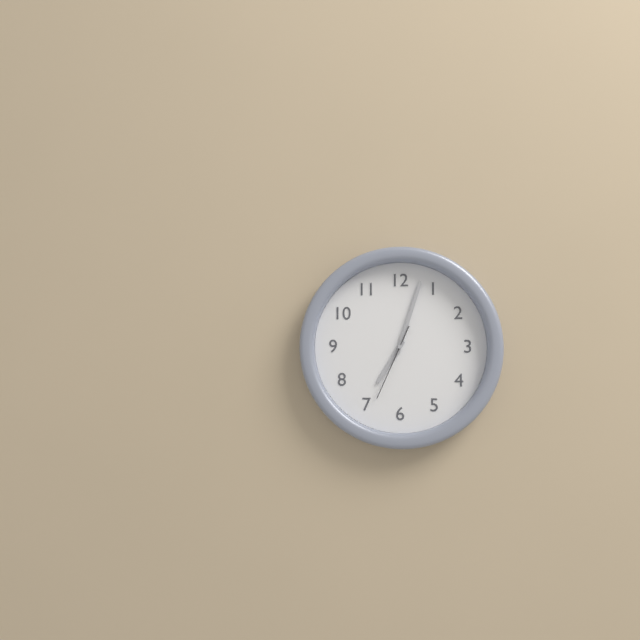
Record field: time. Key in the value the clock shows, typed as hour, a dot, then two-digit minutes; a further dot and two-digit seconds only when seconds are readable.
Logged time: 7.03.34
